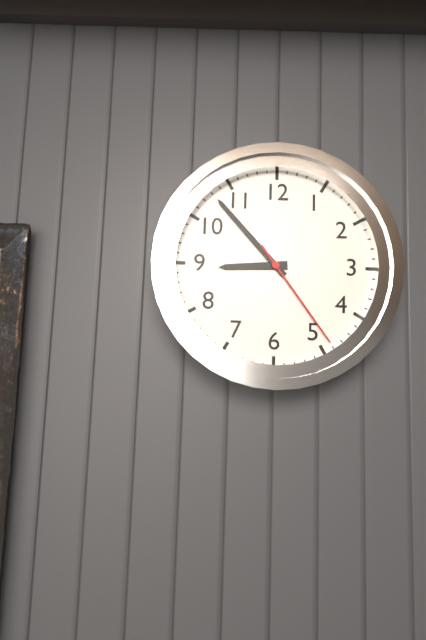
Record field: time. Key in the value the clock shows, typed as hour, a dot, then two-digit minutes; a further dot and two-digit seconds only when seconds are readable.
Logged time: 8.53.24
